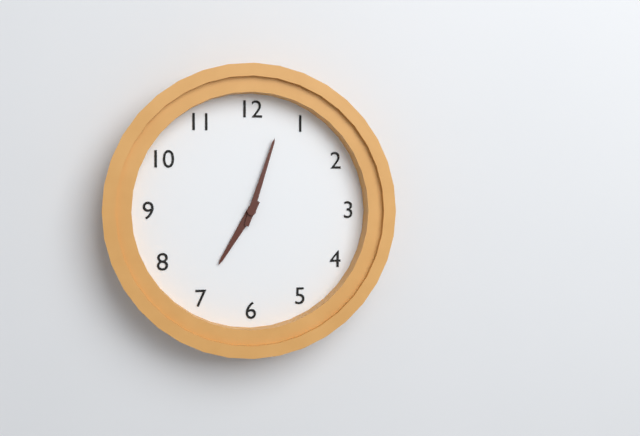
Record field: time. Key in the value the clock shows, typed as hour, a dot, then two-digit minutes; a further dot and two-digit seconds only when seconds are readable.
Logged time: 7.03
